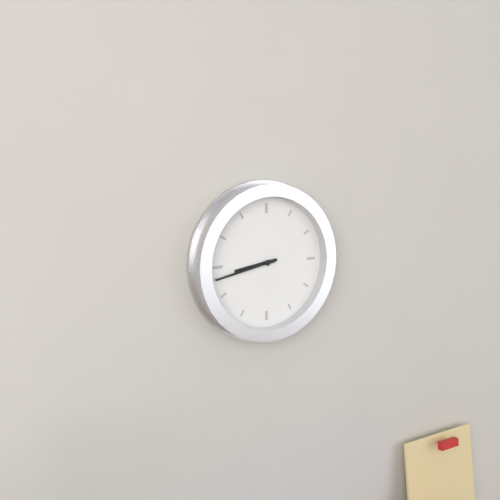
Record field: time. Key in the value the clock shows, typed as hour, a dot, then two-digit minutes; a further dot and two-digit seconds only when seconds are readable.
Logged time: 8.43
